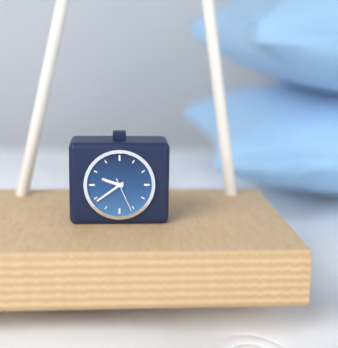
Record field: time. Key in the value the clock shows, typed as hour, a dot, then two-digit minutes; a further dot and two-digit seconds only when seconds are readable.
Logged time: 9.39
